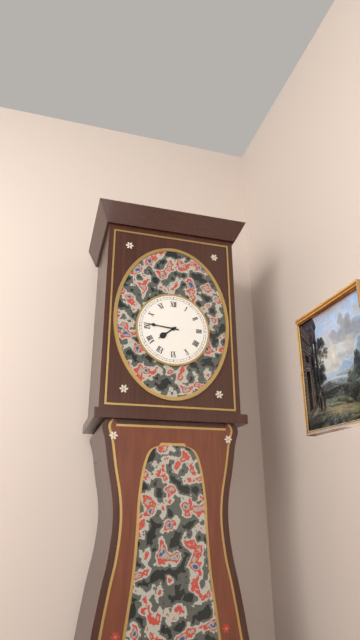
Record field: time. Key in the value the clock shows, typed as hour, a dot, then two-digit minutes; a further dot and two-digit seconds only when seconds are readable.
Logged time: 7.46
